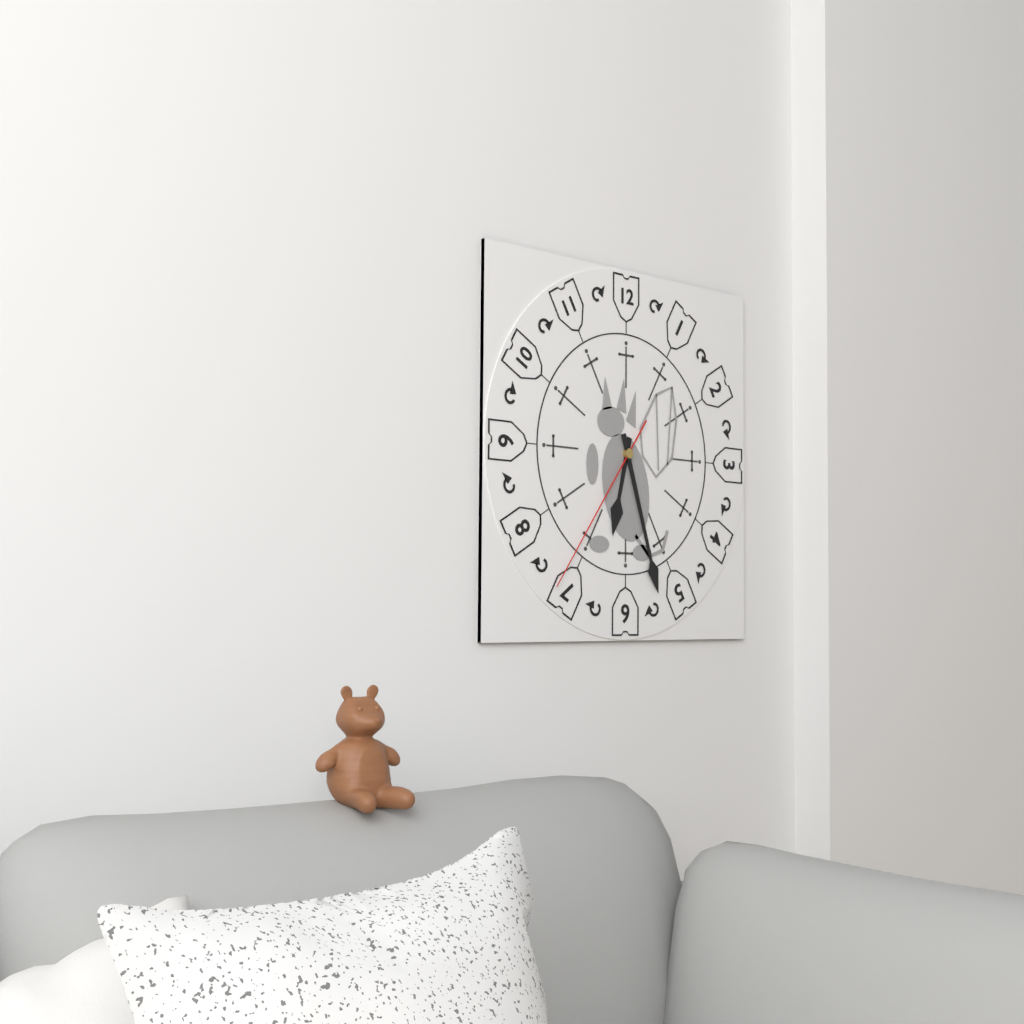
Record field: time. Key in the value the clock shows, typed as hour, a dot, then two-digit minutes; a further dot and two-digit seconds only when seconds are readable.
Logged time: 6.27.36
